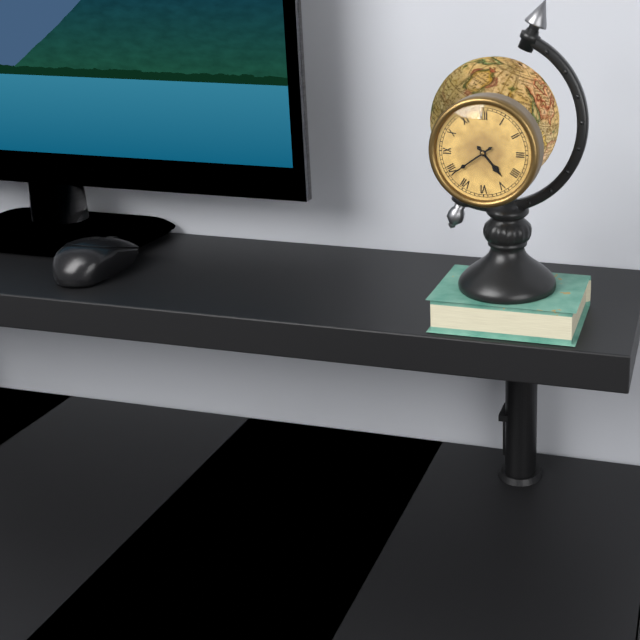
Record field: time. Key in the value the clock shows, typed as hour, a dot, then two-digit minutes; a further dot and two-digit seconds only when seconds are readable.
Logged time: 4.39
